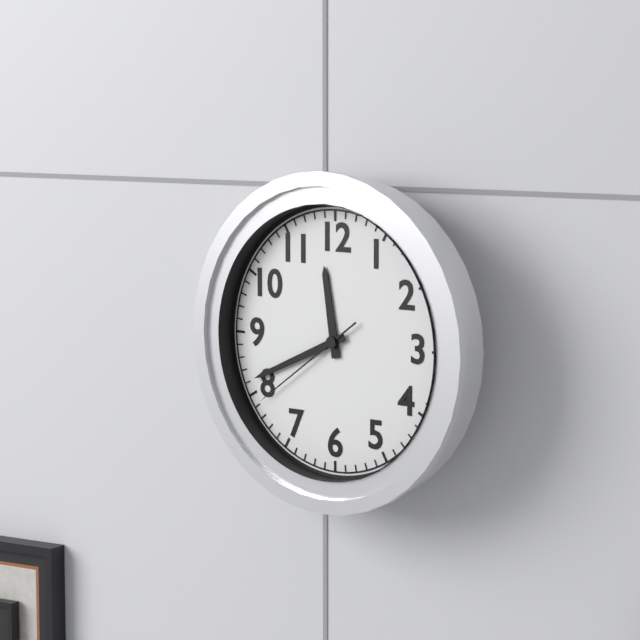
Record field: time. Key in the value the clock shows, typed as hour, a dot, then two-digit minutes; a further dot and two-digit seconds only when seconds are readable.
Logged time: 11.41.39
